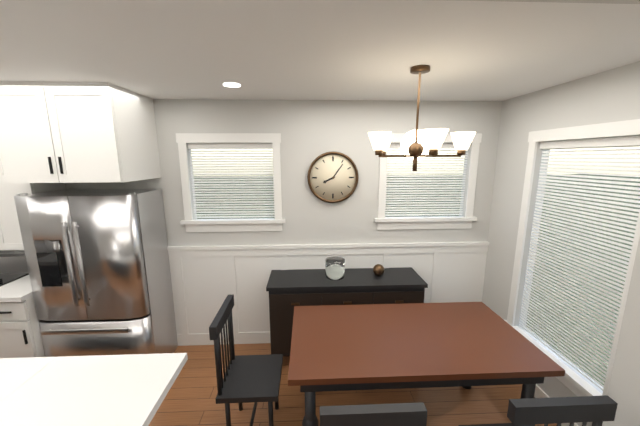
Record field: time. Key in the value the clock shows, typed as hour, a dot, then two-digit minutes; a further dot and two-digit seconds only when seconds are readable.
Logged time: 8.06
